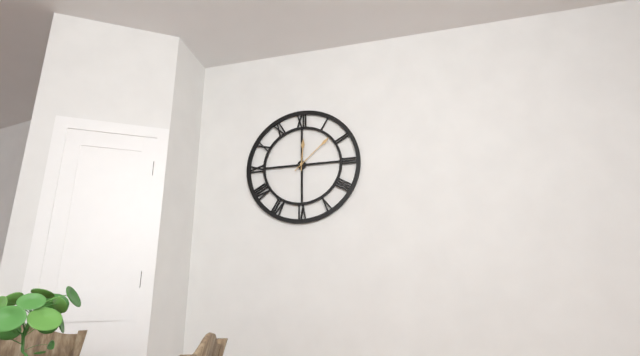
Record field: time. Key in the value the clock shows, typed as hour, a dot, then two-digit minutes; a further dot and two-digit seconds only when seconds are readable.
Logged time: 12.08
